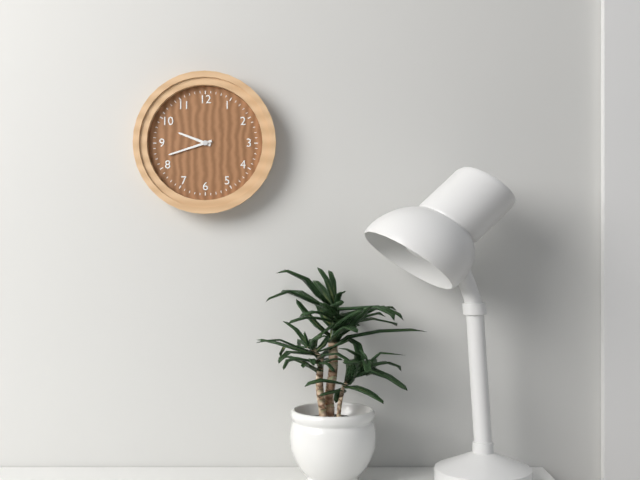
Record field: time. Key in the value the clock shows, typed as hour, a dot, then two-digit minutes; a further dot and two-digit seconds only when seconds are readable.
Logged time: 9.42
